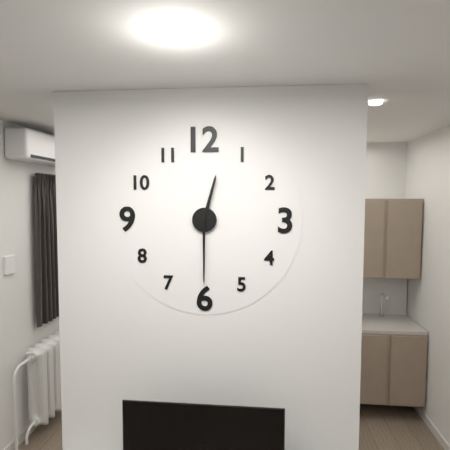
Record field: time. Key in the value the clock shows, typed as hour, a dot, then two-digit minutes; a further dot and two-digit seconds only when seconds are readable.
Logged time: 12.30
